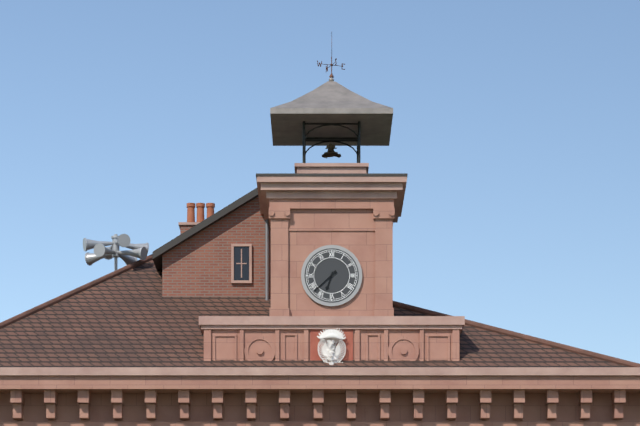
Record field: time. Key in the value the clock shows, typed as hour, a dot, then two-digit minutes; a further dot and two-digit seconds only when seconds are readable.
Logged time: 6.38
